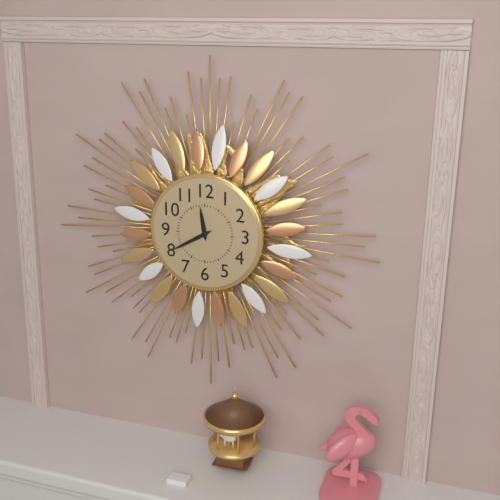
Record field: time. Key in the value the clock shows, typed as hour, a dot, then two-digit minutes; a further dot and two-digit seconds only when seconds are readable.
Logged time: 11.40
